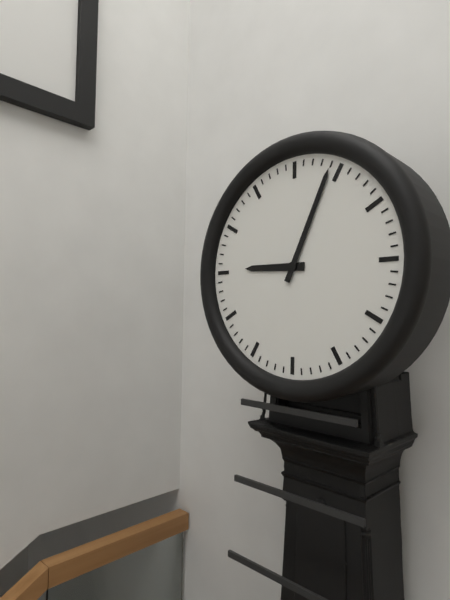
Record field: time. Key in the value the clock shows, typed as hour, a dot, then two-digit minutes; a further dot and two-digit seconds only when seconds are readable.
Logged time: 9.04
